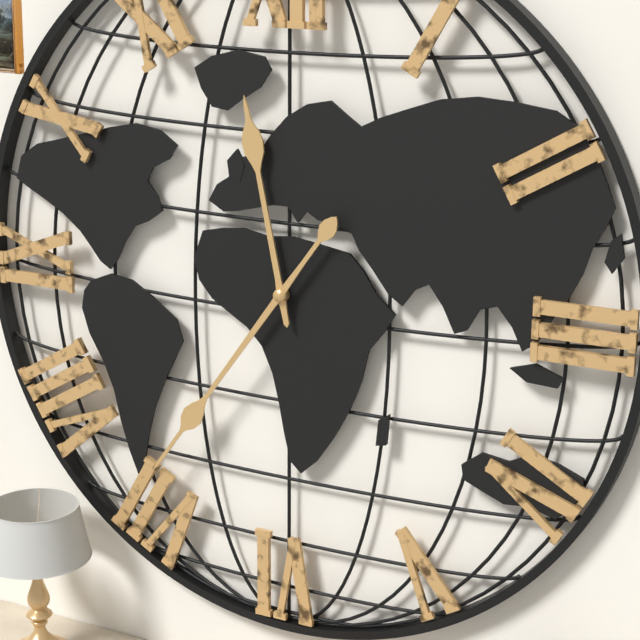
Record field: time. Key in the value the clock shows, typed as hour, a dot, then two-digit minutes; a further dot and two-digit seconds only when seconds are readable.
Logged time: 11.36
